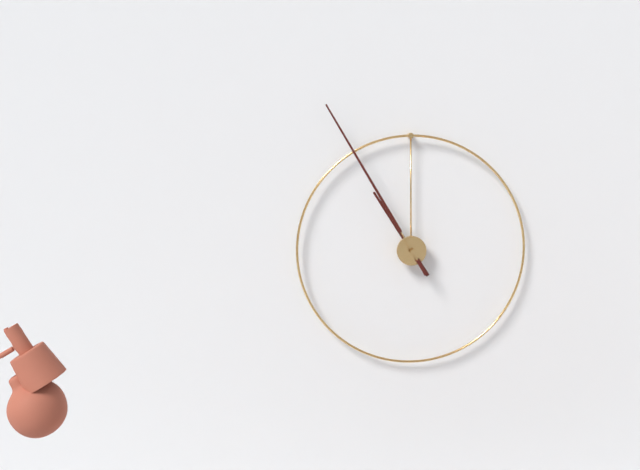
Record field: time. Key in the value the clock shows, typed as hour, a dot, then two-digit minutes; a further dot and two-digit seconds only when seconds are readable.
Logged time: 10.55
